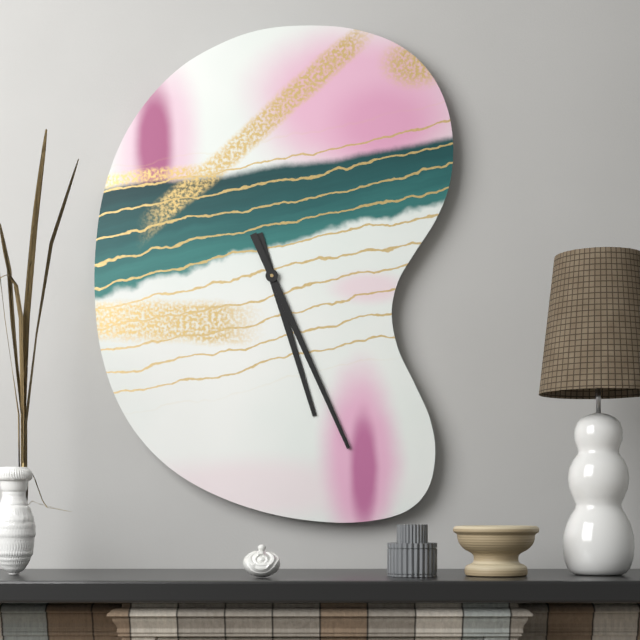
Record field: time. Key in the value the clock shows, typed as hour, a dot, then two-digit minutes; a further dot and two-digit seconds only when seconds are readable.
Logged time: 5.26
